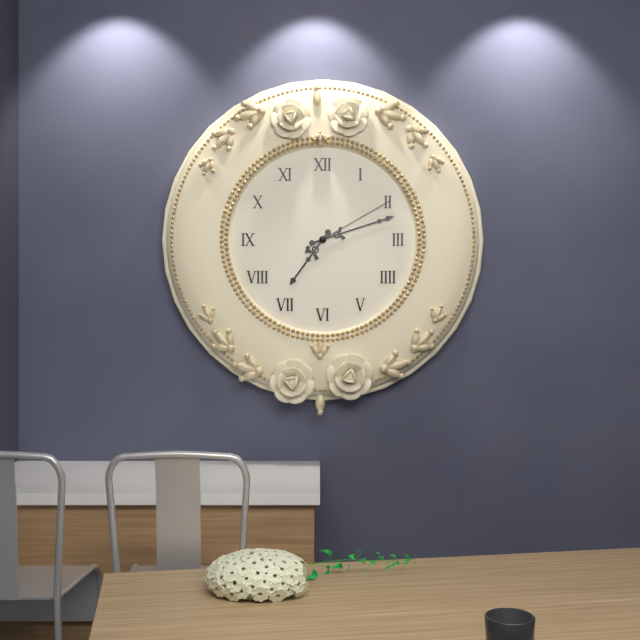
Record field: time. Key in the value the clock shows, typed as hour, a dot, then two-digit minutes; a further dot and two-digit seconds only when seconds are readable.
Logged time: 7.12.10
